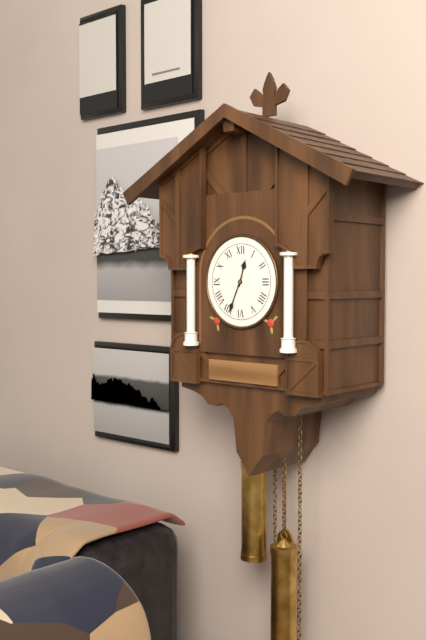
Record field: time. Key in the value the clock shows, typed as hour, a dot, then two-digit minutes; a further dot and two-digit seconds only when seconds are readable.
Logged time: 12.34
